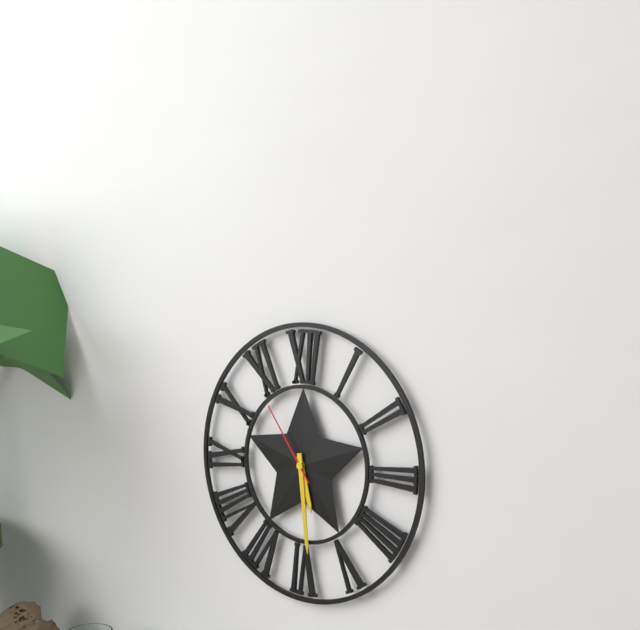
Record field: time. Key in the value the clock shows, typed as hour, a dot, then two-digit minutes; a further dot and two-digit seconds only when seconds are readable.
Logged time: 5.29.54
